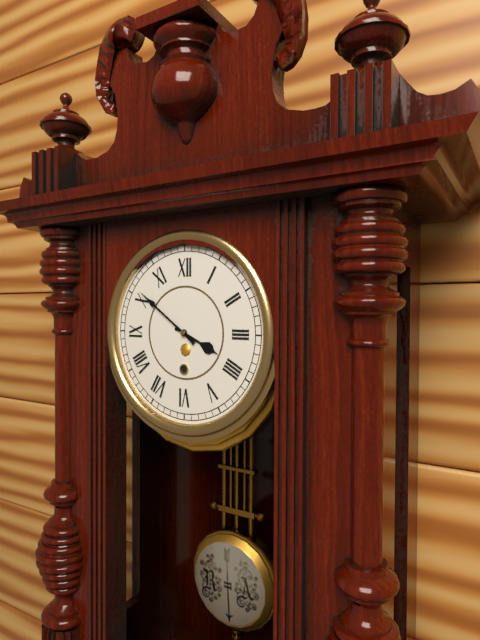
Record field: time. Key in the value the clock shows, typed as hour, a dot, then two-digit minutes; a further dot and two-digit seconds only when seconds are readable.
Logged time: 3.51
